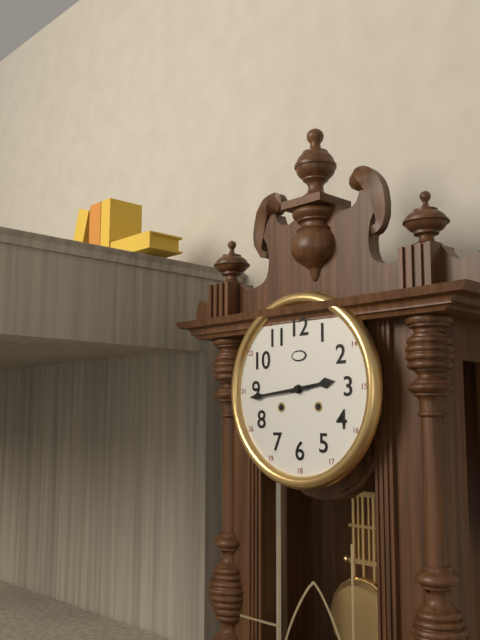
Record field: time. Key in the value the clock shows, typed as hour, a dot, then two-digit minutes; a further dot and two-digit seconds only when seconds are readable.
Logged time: 2.44
